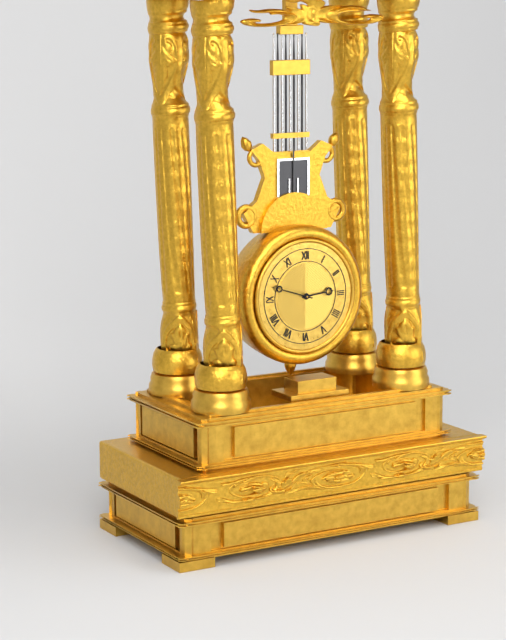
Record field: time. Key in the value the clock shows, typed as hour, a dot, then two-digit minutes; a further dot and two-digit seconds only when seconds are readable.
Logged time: 2.48
